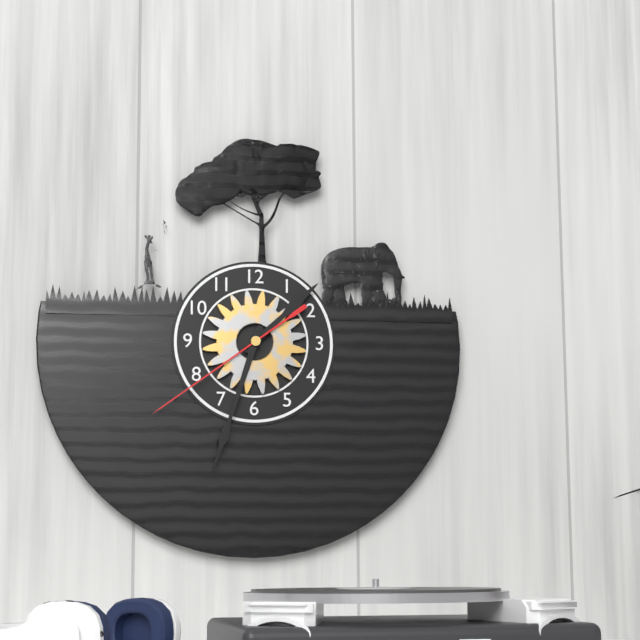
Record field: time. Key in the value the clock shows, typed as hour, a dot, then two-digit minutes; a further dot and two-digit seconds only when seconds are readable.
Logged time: 1.33.39
